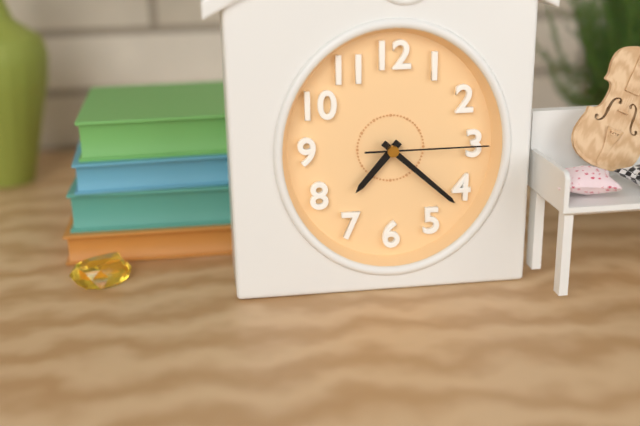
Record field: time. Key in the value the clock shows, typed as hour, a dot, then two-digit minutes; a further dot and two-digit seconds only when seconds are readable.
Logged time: 7.22.15
